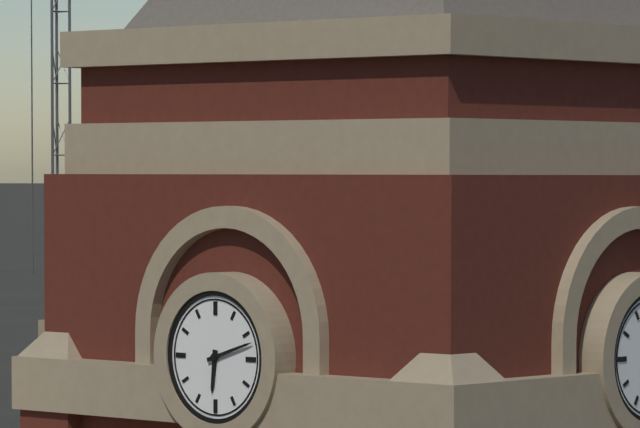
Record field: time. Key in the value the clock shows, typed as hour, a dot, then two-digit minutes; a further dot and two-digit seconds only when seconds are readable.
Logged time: 6.12
